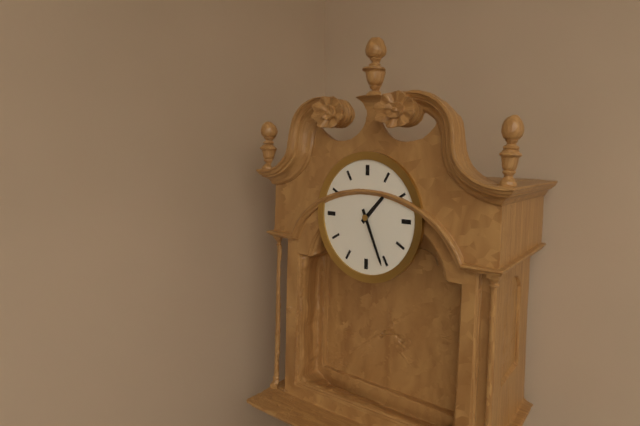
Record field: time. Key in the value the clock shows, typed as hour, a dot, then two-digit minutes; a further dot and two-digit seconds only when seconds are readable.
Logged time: 1.26
